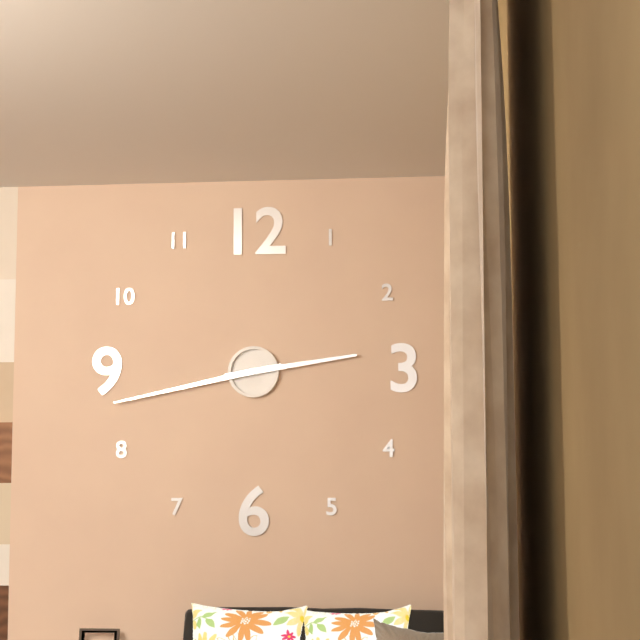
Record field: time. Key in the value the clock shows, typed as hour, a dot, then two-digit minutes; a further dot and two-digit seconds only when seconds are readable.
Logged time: 2.43
